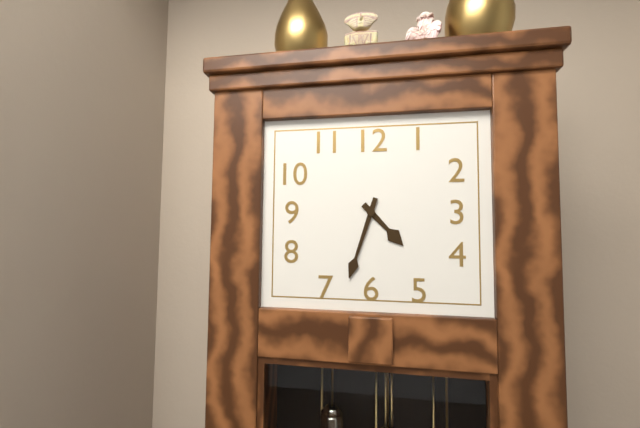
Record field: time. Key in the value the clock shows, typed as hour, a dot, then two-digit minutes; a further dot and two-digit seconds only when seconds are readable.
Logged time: 4.33
